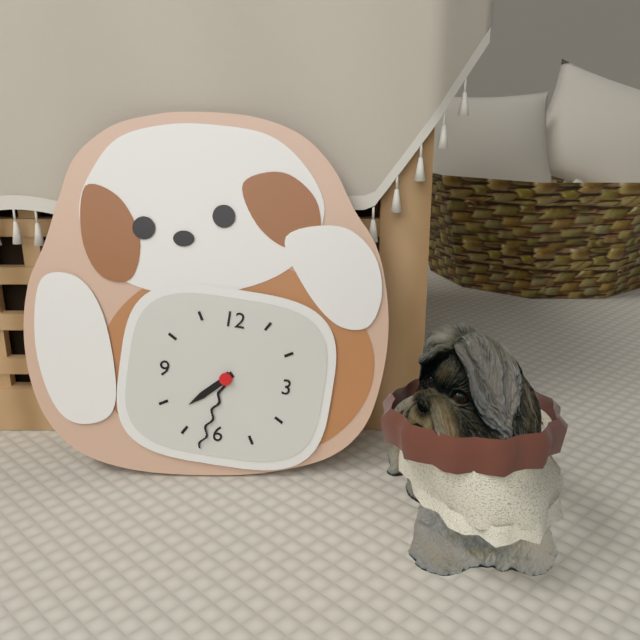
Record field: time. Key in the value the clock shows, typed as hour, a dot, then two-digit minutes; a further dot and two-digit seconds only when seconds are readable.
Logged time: 7.32
